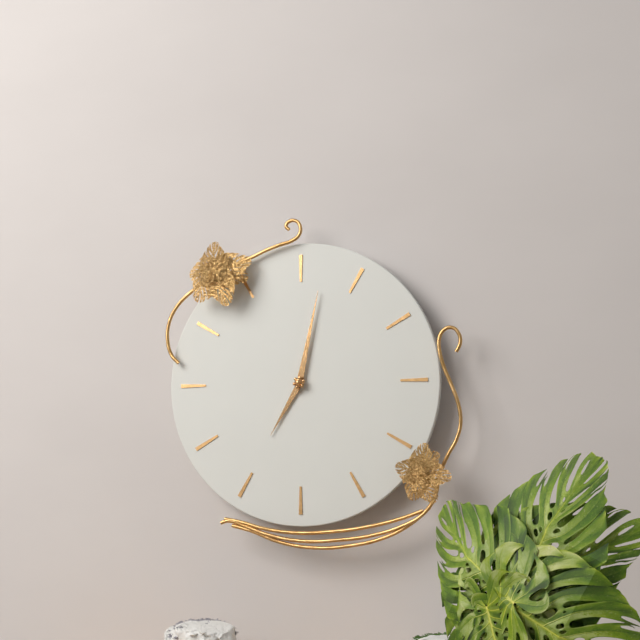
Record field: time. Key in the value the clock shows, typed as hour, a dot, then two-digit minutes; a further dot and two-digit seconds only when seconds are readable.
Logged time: 7.02
